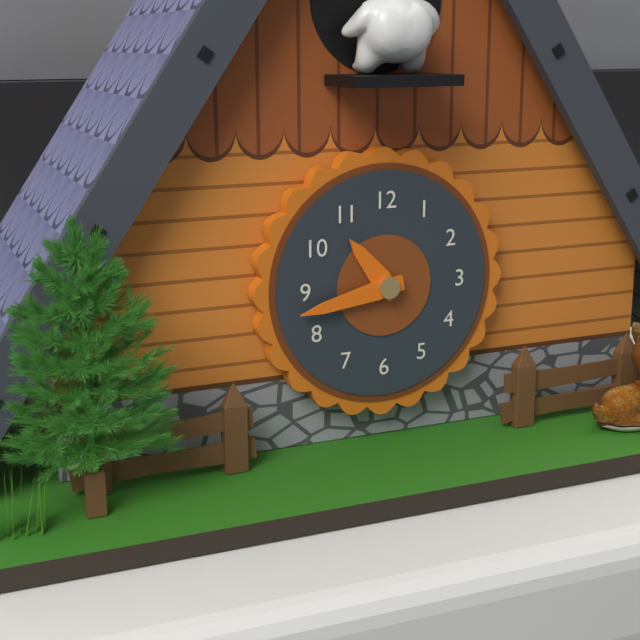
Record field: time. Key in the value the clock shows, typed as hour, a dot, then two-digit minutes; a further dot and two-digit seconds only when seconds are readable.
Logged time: 10.43
